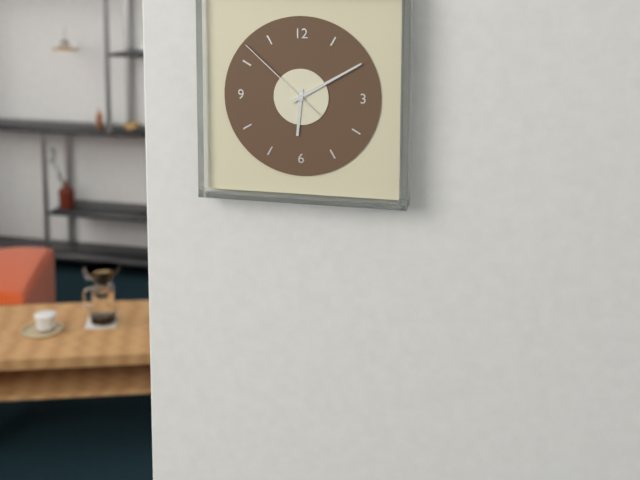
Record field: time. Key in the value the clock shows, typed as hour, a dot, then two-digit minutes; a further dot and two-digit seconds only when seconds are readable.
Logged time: 6.10.52
